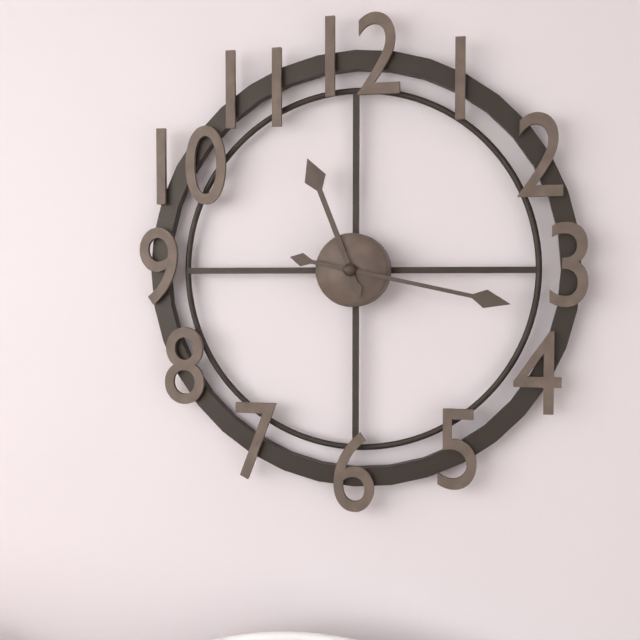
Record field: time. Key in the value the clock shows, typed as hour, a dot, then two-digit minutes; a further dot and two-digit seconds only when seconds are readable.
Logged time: 11.17
